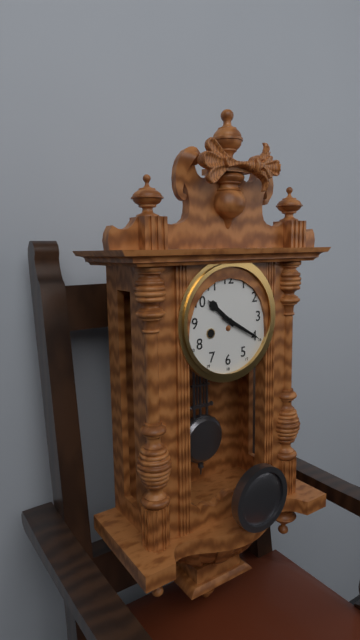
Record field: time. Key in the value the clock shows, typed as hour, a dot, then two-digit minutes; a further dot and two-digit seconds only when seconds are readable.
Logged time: 10.20
